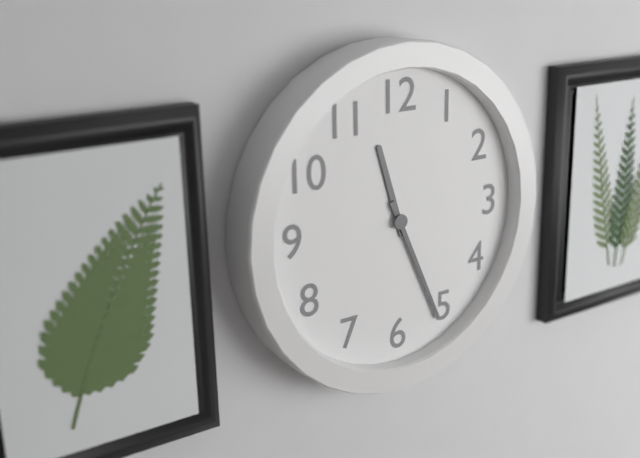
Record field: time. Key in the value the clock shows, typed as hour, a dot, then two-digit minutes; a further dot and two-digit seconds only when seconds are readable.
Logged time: 11.26
